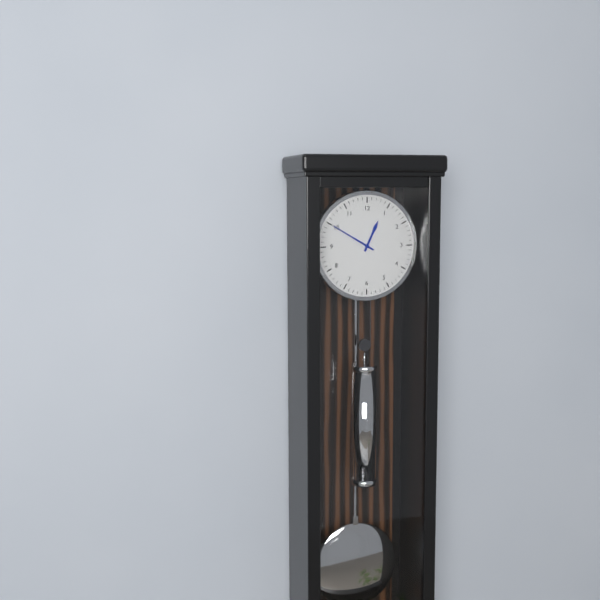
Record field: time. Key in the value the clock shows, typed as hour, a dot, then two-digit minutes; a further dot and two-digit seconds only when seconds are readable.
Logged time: 12.50
